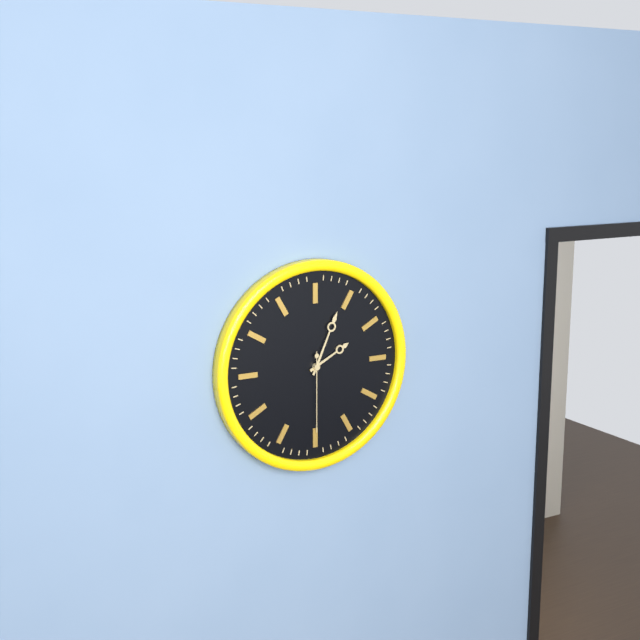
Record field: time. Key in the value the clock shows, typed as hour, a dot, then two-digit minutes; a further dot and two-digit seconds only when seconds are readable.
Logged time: 2.04.30
